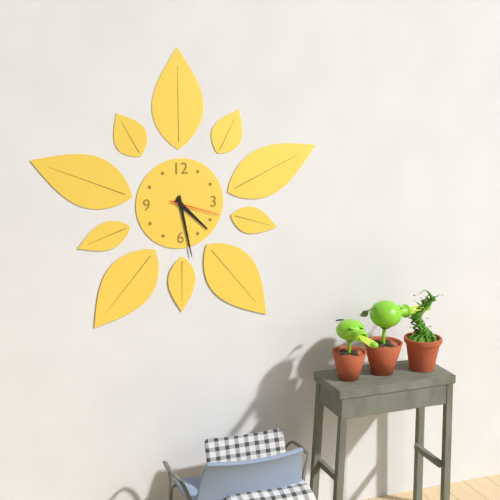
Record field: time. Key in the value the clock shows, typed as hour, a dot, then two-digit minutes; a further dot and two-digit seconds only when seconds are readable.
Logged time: 4.28
